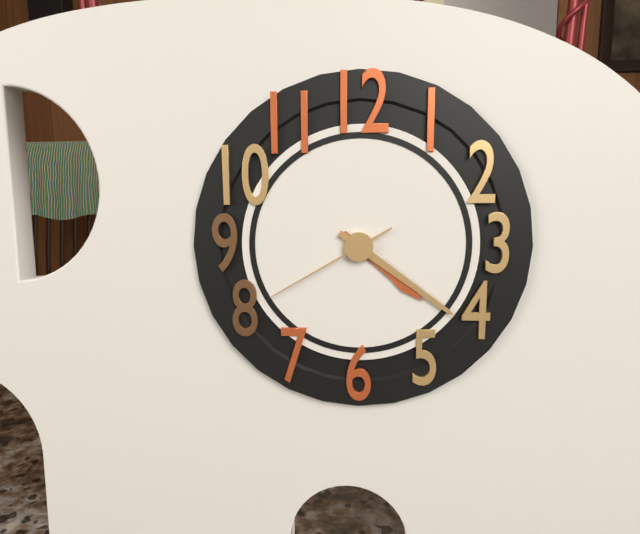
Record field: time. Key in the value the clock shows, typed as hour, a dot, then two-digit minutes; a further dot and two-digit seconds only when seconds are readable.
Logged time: 4.21.40
